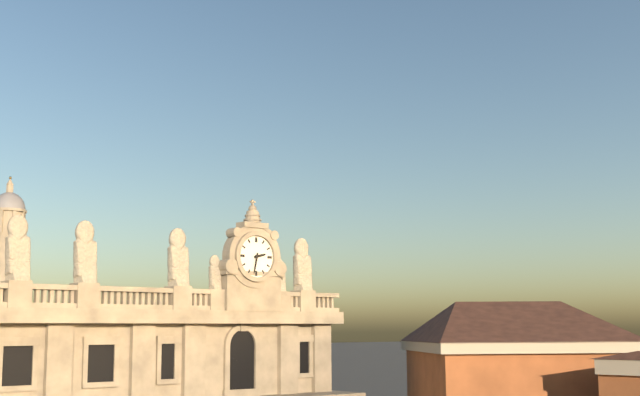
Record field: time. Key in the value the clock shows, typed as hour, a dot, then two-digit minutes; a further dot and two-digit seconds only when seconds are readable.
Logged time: 2.32
